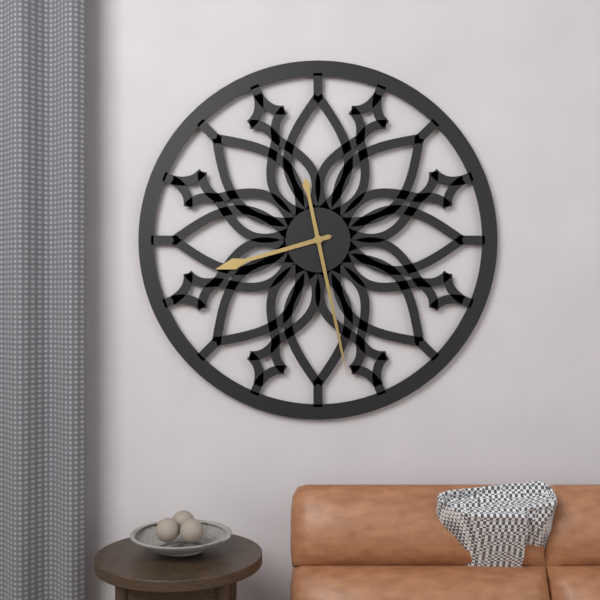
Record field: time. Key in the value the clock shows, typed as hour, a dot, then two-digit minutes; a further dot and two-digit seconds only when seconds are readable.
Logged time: 8.28
